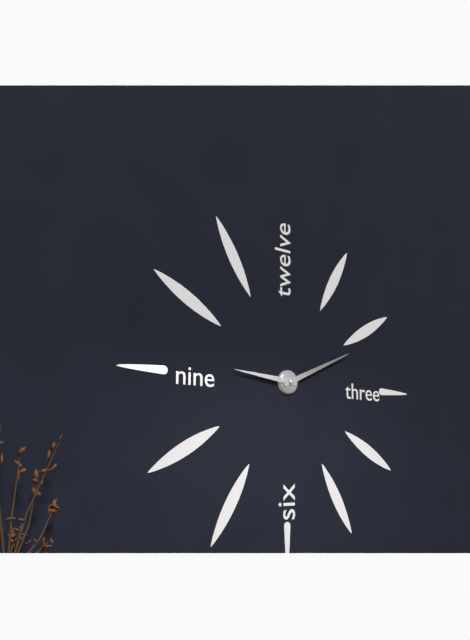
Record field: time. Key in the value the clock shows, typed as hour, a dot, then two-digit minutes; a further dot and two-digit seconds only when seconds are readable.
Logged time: 9.11
